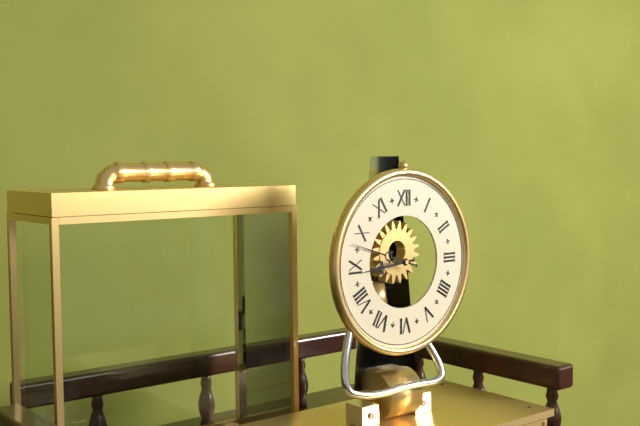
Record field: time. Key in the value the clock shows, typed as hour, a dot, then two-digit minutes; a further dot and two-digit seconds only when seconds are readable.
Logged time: 8.48
